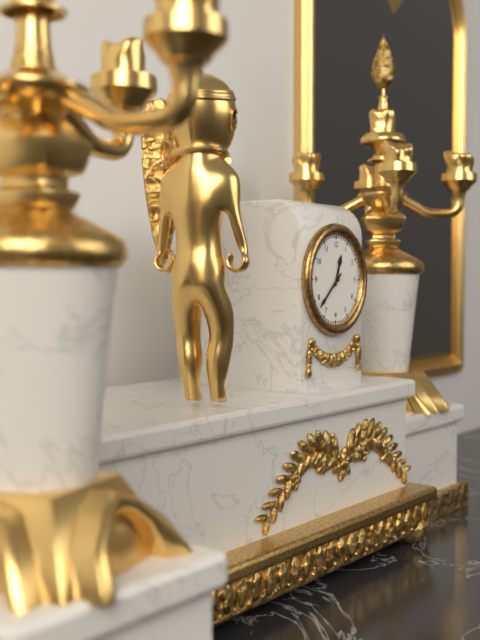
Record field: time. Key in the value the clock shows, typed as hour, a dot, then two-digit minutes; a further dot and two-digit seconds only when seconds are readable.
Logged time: 12.38
